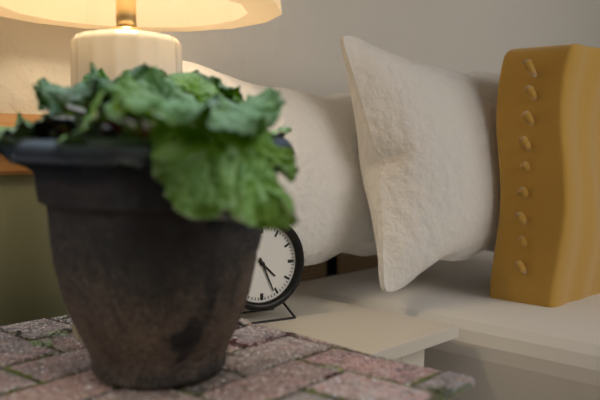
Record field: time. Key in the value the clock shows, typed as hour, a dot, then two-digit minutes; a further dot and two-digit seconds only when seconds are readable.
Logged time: 4.26
